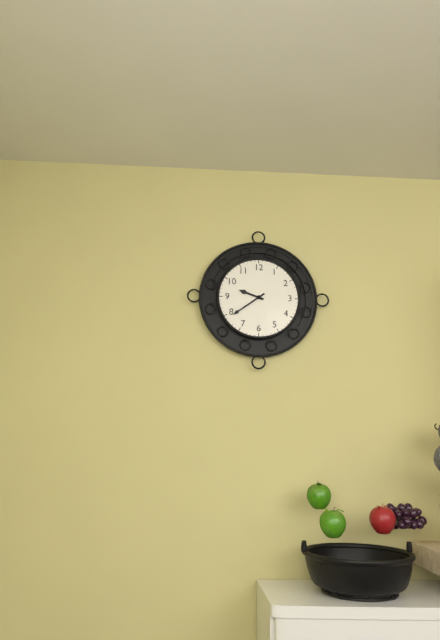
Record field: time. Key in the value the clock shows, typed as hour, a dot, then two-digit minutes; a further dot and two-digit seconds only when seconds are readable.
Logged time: 9.39
